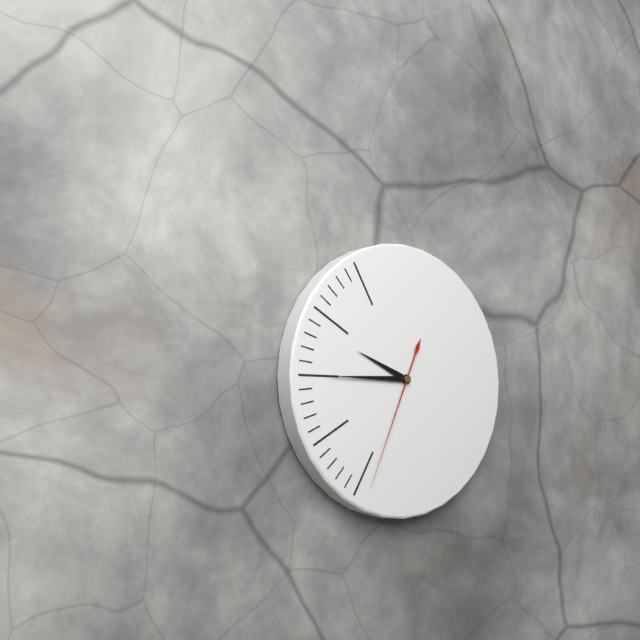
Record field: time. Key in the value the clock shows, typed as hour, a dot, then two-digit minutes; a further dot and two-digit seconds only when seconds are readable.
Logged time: 9.45.34
